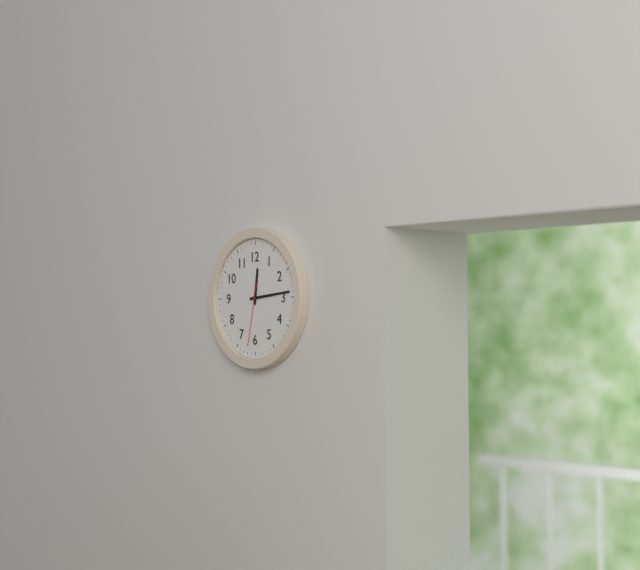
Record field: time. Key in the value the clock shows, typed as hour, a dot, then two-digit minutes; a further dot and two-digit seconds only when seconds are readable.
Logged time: 12.14.32
